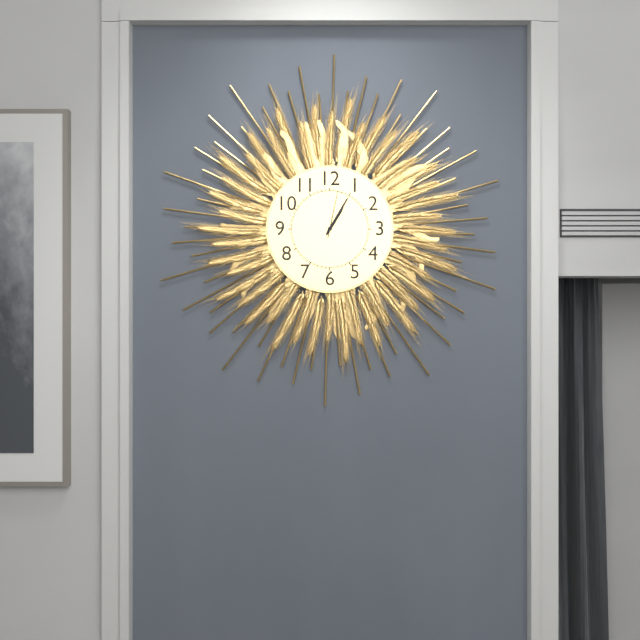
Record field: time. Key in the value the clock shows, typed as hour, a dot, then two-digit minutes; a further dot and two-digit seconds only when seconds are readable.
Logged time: 1.05.02
